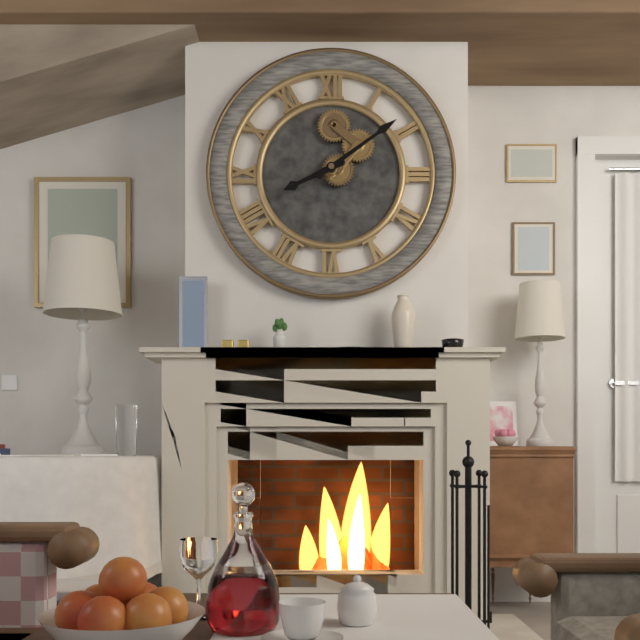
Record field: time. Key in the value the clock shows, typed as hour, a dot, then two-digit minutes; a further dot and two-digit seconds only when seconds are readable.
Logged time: 8.09
